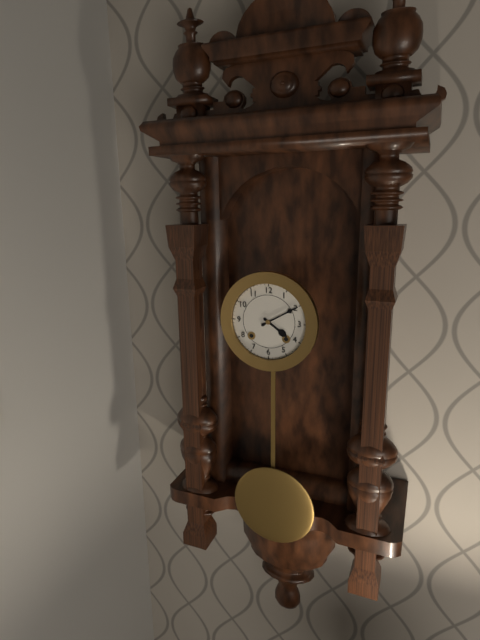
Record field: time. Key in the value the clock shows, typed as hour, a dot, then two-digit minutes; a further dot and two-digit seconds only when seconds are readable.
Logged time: 4.10
